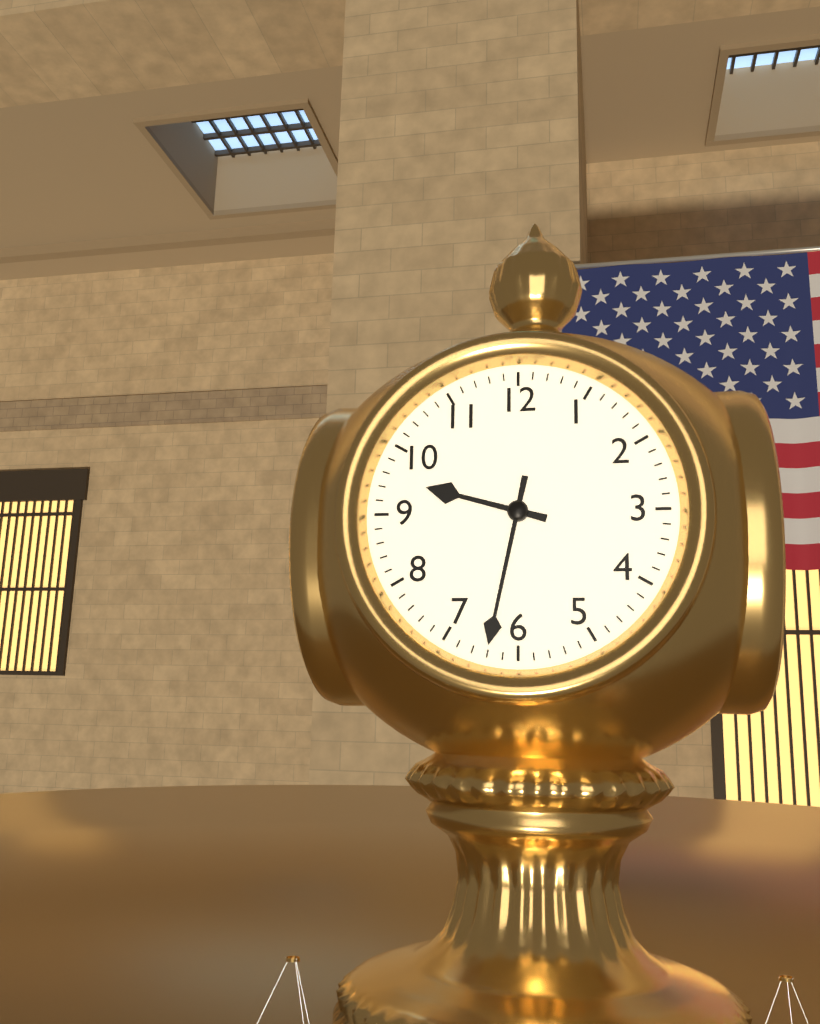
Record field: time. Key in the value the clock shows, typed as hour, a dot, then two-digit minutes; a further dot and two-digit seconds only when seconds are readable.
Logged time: 9.32
